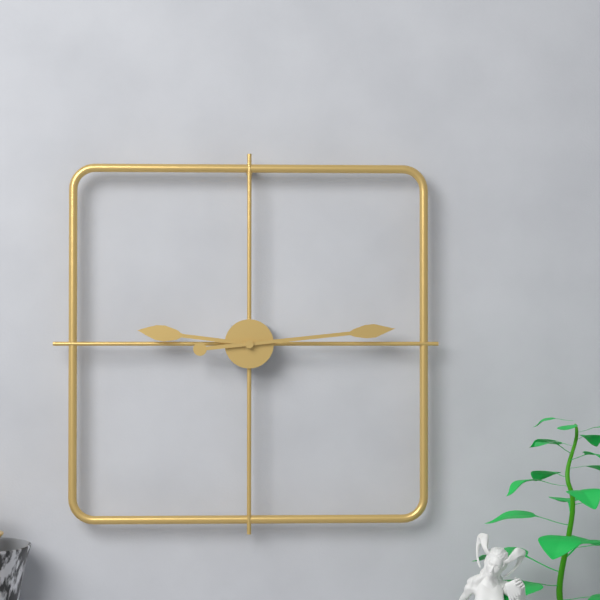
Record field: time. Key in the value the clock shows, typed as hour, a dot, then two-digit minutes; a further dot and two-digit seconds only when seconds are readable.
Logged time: 9.14
